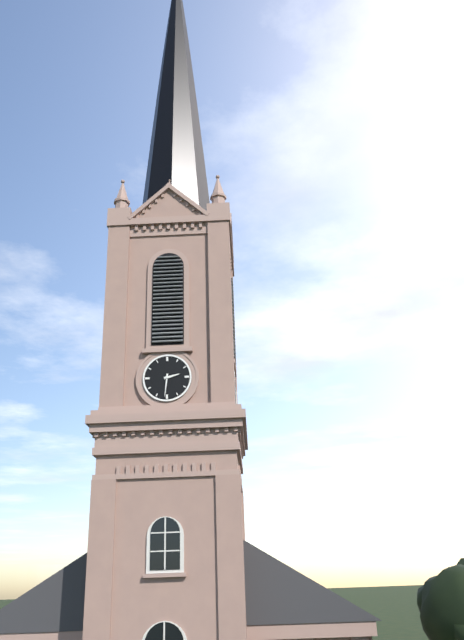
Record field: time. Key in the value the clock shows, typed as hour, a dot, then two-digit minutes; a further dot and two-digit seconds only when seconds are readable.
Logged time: 2.31
